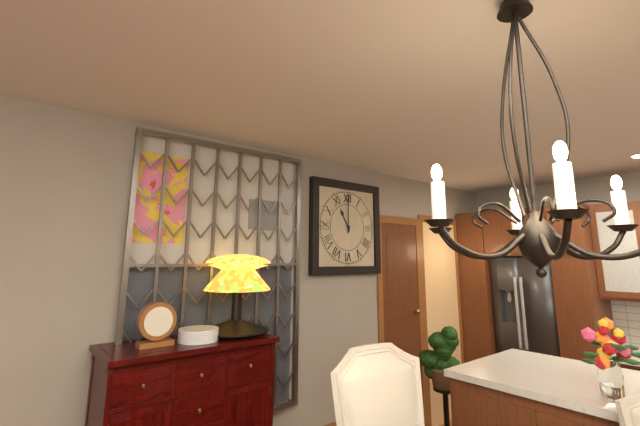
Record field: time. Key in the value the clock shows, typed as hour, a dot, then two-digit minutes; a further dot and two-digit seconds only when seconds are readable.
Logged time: 11.00
